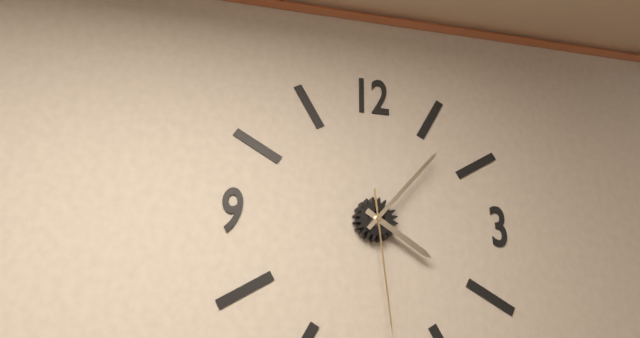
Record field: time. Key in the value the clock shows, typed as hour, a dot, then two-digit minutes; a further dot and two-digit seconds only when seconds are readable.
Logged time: 4.07.29
